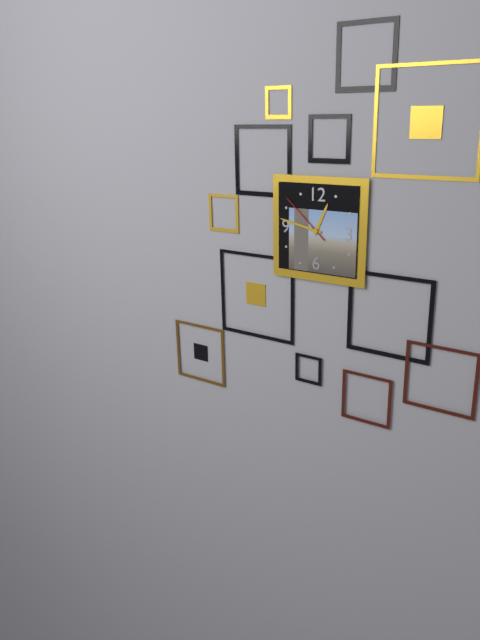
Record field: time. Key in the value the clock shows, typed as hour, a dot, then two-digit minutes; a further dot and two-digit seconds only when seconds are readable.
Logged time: 12.47.52
